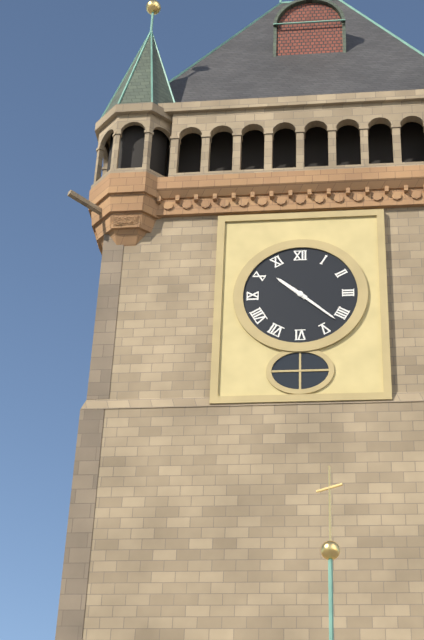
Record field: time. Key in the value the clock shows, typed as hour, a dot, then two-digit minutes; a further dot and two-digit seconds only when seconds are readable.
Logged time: 10.22
